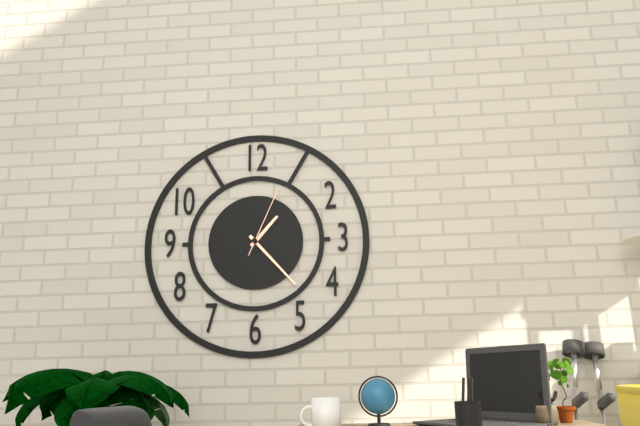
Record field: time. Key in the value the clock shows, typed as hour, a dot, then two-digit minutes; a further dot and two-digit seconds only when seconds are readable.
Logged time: 1.23.04
